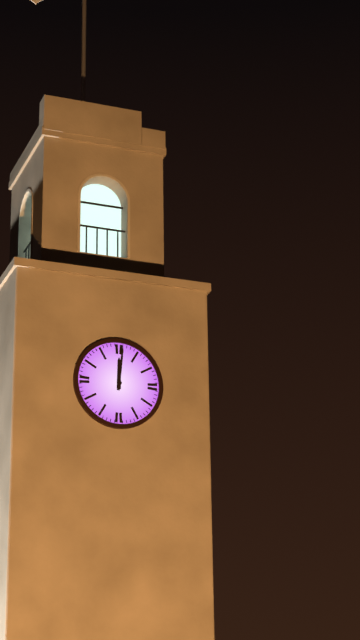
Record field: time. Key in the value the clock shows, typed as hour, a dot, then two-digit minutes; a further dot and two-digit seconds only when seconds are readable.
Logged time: 12.01
